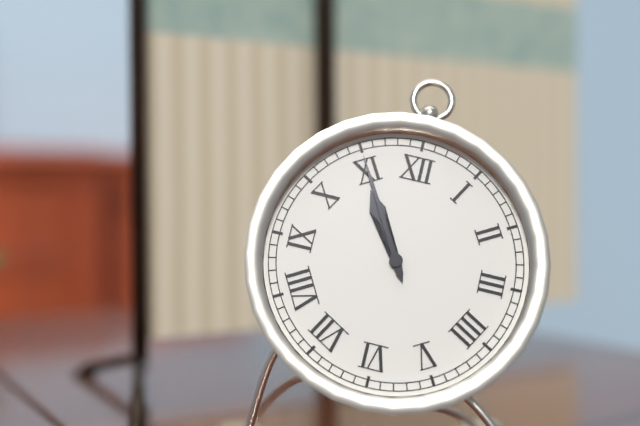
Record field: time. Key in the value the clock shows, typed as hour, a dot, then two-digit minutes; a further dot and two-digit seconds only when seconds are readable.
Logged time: 10.55
